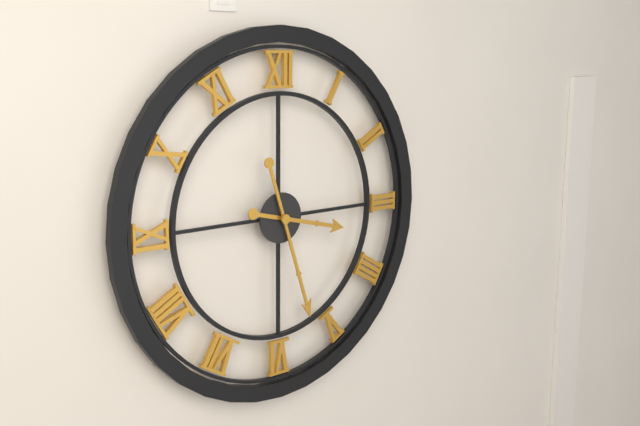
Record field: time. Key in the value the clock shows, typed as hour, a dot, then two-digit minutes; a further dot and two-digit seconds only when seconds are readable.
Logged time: 3.27
